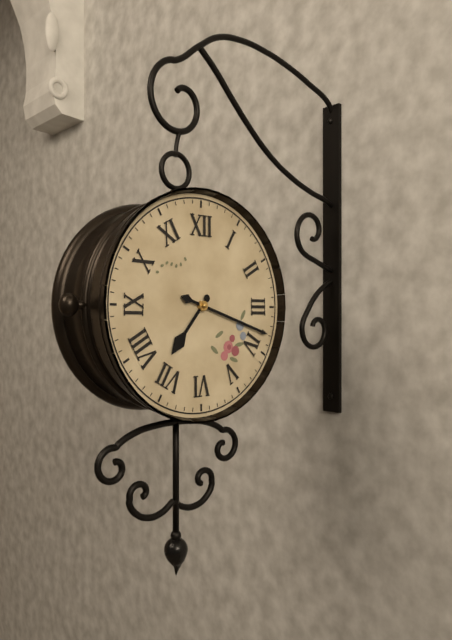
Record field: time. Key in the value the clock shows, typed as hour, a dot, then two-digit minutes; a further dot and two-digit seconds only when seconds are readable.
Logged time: 7.18
